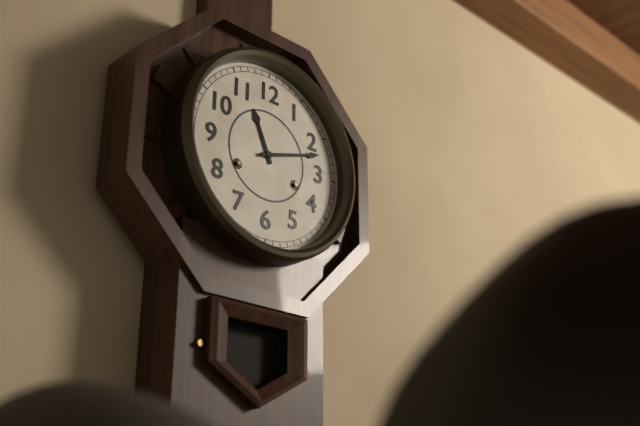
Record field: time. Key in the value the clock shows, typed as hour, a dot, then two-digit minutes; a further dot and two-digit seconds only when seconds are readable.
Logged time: 11.12
